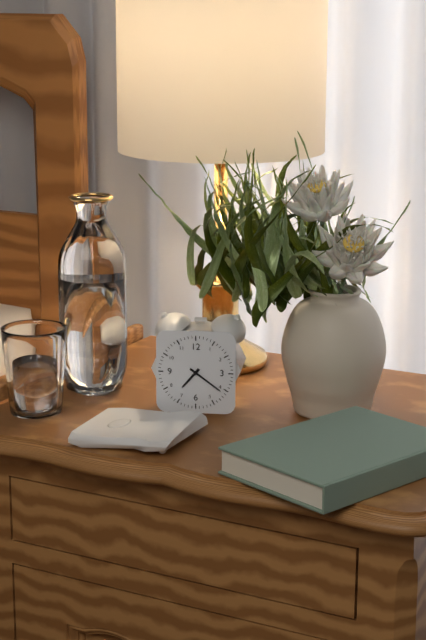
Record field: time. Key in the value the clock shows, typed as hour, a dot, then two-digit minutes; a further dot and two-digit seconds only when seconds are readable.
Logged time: 7.21
